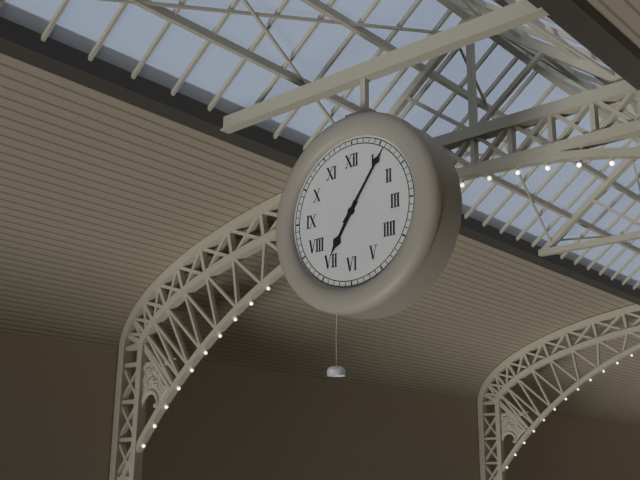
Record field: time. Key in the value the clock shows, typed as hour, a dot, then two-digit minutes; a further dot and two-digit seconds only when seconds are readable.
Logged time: 7.06
